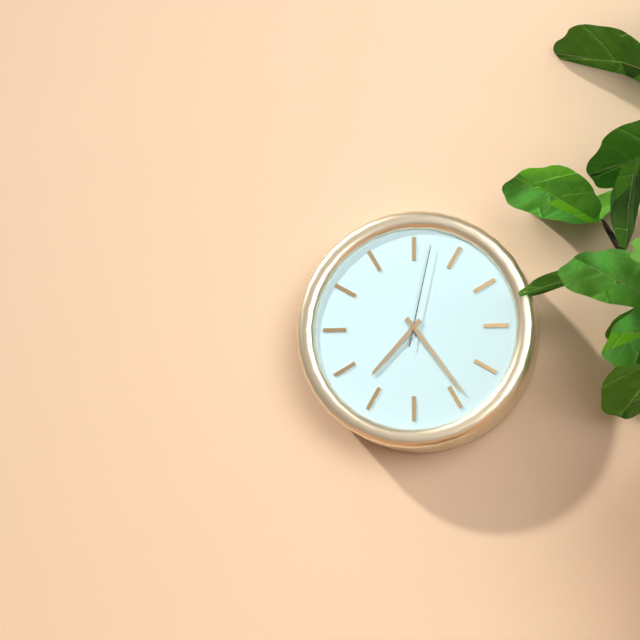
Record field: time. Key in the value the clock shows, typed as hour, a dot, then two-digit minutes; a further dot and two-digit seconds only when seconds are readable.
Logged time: 7.24.02
